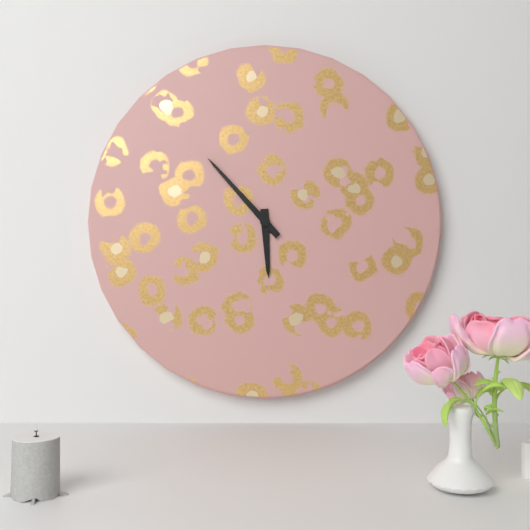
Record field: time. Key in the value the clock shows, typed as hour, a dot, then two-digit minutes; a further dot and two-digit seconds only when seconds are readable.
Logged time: 5.53
